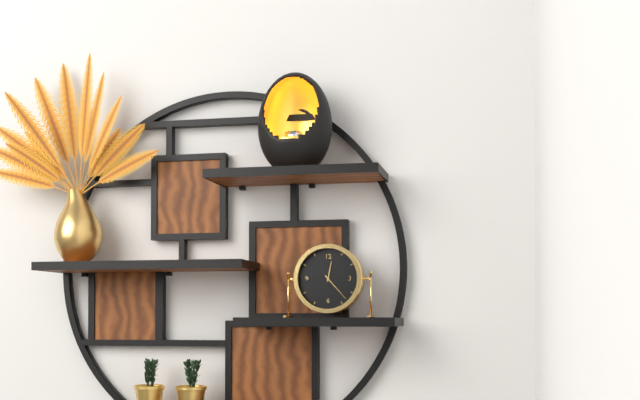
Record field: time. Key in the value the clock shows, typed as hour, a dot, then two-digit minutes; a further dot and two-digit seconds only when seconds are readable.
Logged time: 12.23
